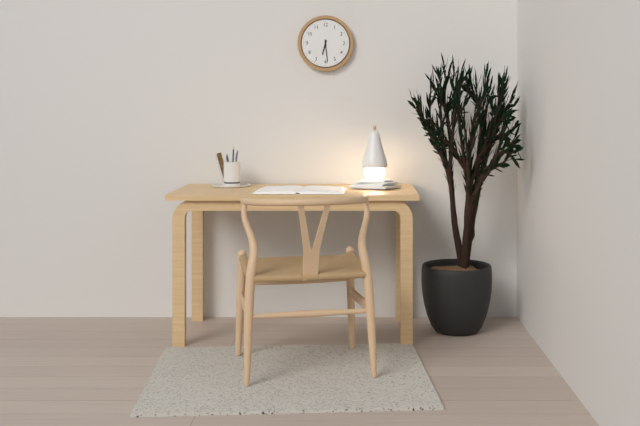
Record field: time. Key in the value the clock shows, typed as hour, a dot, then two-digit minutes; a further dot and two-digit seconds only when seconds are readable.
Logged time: 6.29
